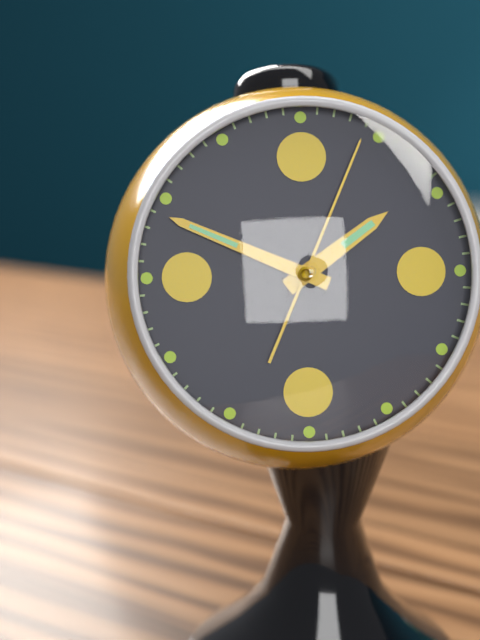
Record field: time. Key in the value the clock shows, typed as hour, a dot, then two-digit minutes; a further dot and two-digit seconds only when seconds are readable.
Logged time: 1.49.04
